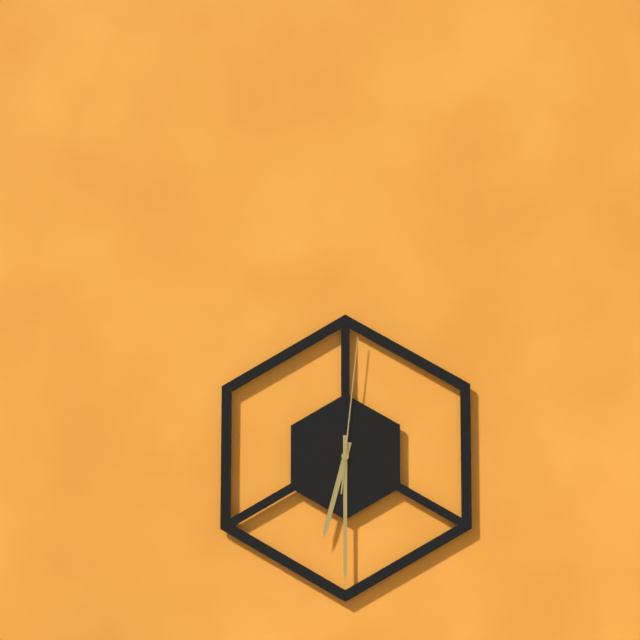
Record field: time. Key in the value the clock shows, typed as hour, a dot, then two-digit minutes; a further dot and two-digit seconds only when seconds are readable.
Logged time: 6.30.01
